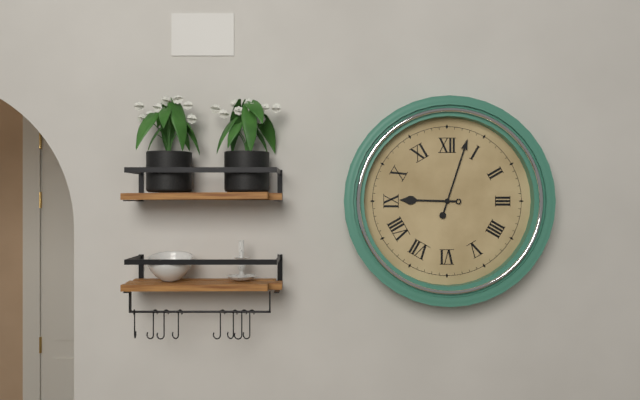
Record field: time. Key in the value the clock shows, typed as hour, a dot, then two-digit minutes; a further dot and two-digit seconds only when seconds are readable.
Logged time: 9.03
